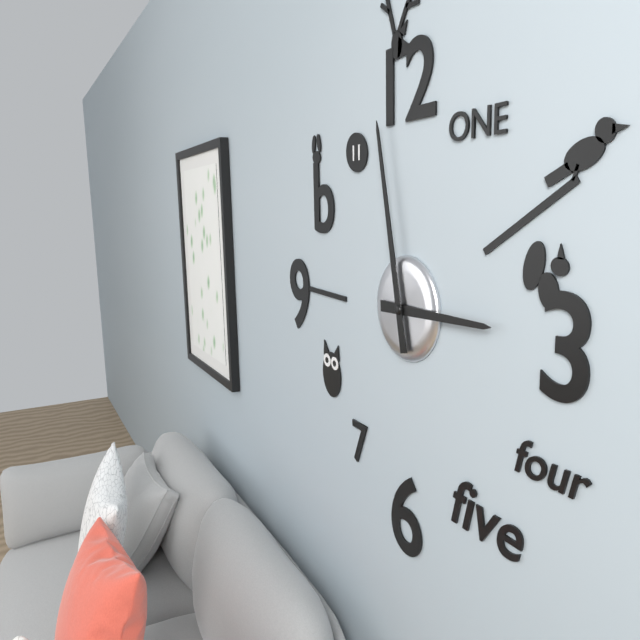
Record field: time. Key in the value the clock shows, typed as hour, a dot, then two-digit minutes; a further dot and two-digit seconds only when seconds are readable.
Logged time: 2.58
